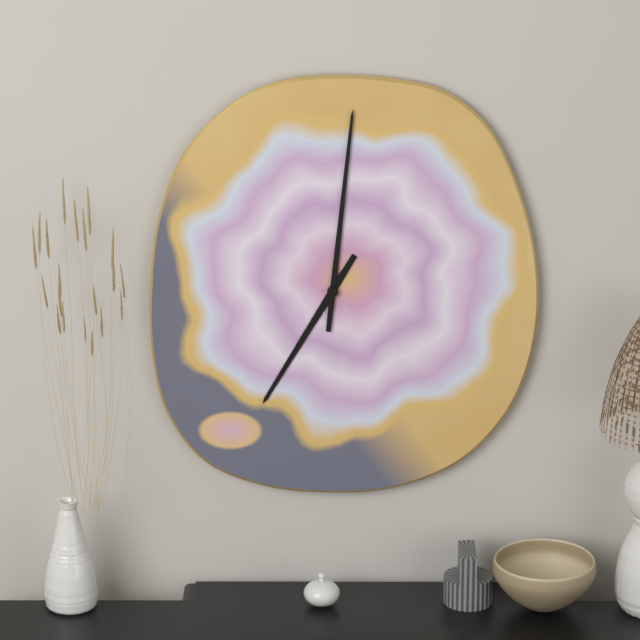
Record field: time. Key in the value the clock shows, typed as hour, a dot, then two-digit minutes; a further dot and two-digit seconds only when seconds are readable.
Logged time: 7.01
